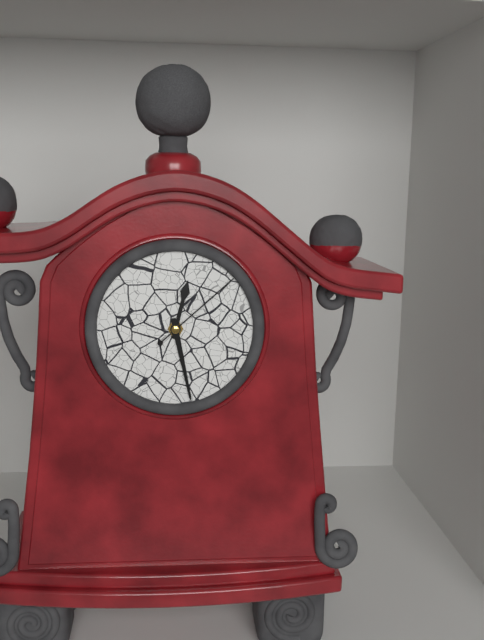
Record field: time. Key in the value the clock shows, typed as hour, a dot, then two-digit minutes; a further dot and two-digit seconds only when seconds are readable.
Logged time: 12.28.08
